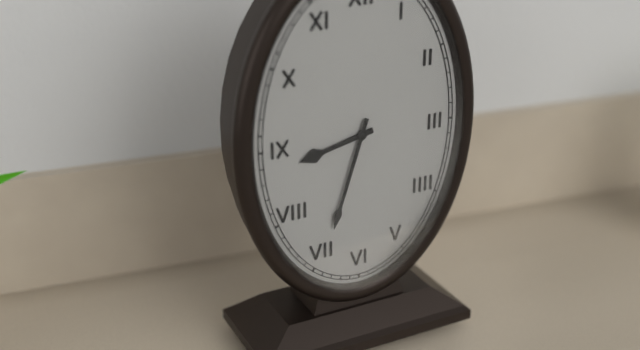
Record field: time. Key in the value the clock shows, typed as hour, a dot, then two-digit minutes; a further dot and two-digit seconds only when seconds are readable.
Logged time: 8.33
